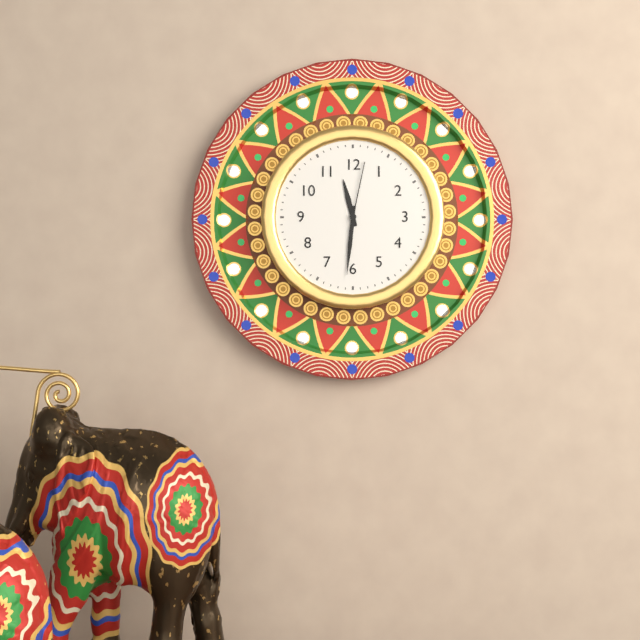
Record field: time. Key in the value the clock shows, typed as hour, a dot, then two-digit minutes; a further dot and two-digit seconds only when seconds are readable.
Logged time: 11.31.02
